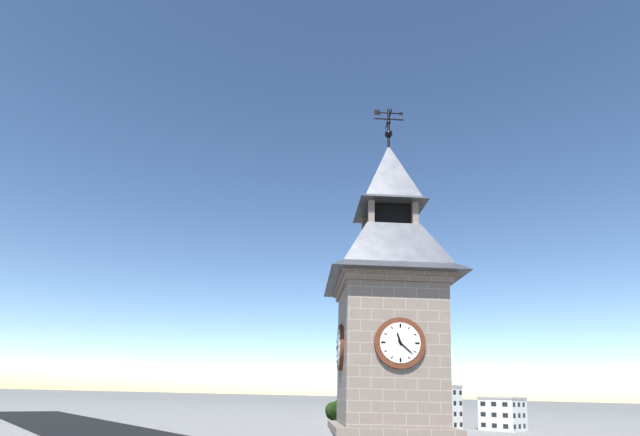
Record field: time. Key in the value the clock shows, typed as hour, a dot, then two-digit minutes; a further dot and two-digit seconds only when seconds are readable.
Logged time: 11.22
